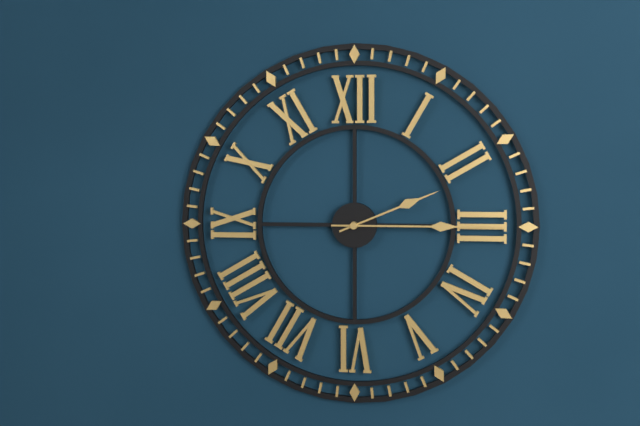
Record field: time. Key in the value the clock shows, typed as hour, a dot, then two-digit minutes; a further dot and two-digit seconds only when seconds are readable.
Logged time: 2.15
